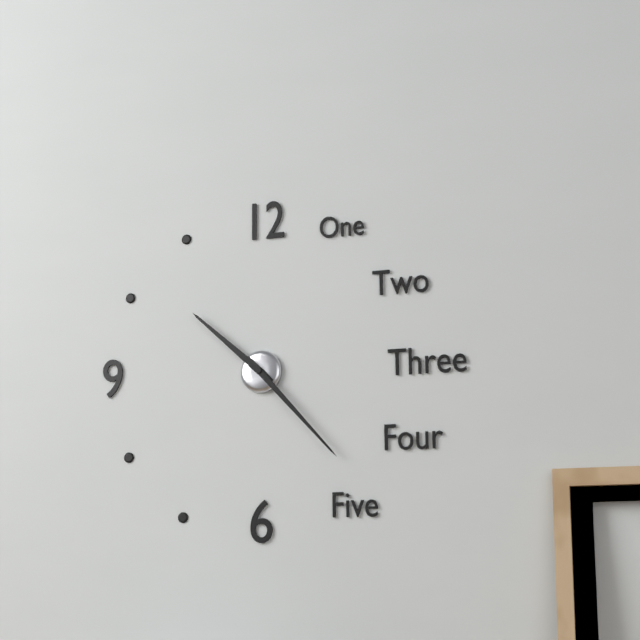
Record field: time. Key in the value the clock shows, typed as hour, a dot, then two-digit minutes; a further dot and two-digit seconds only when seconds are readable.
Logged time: 10.23
